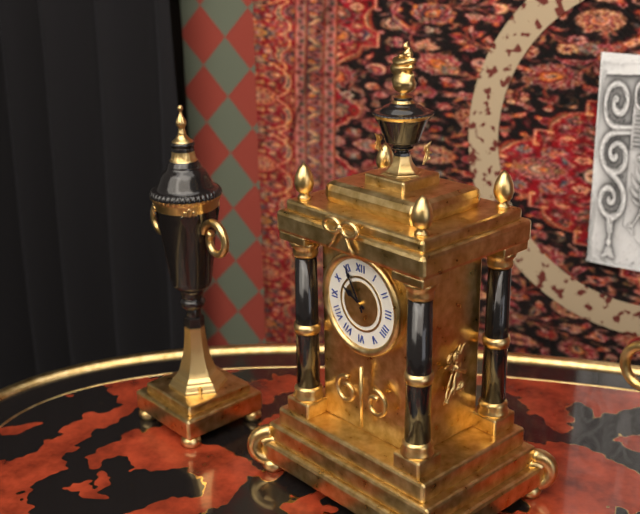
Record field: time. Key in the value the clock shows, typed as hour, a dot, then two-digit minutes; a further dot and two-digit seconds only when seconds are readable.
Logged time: 9.55
